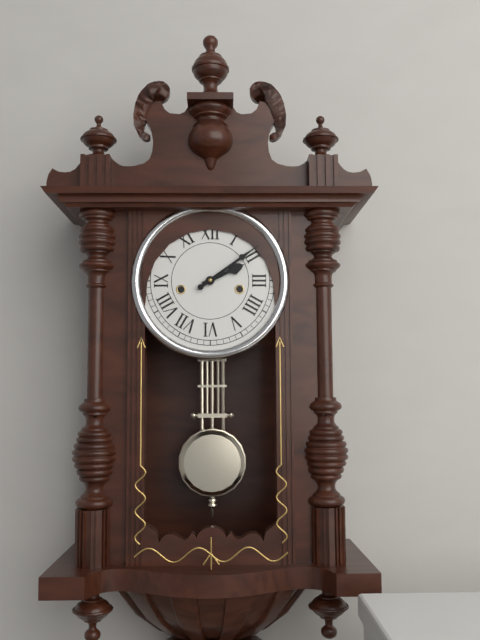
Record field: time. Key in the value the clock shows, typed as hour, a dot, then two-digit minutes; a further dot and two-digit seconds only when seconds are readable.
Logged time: 2.09
